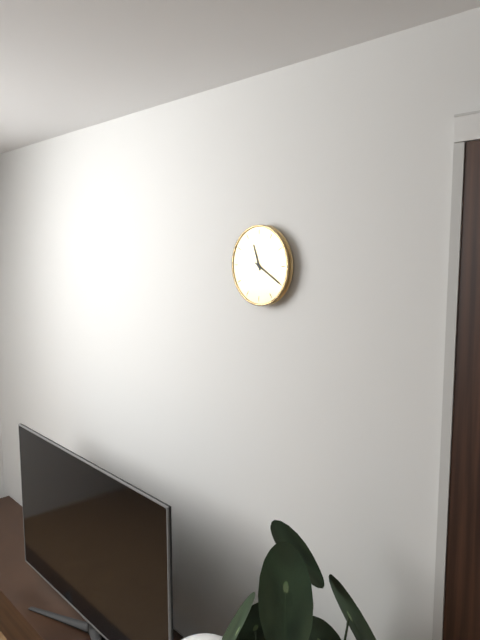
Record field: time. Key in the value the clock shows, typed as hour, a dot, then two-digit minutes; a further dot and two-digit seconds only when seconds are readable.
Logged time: 11.20
